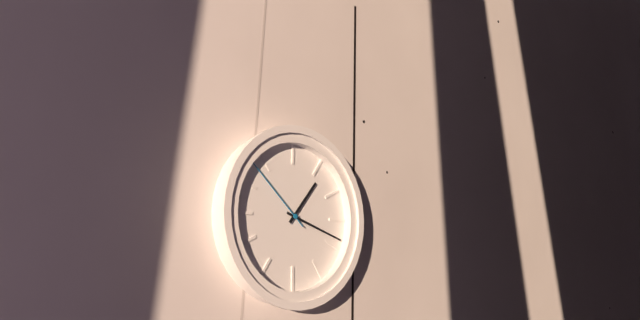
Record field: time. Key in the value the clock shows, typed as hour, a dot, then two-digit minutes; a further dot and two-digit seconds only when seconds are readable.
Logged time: 1.18.52
